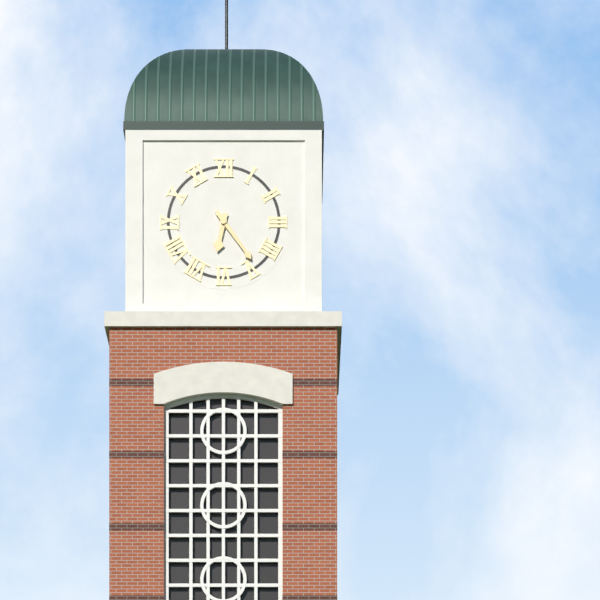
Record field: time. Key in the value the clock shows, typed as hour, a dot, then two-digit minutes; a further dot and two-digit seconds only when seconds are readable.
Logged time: 6.24
